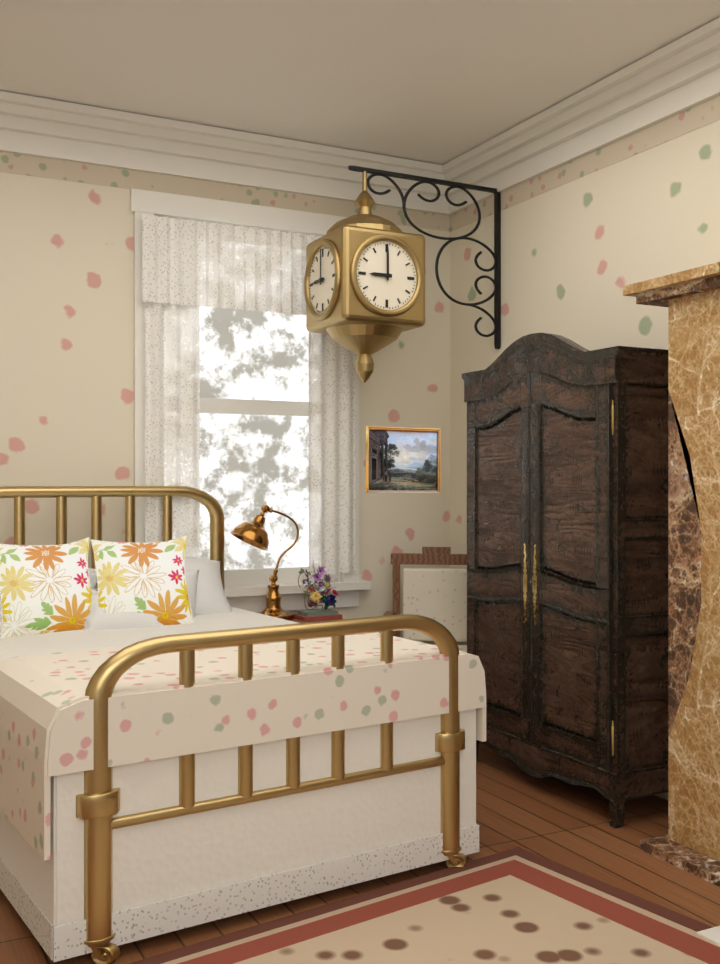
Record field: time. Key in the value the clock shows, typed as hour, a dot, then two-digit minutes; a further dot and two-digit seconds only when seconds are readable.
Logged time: 9.00
